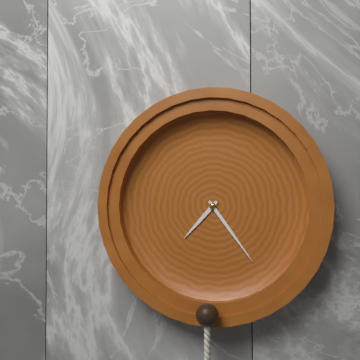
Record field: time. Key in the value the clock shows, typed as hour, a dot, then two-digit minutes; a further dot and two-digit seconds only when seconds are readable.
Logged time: 7.24
